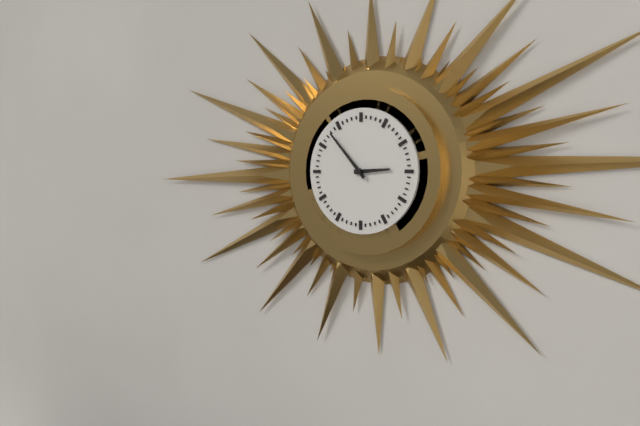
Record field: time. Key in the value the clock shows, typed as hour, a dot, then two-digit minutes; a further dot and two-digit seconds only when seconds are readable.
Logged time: 2.53
